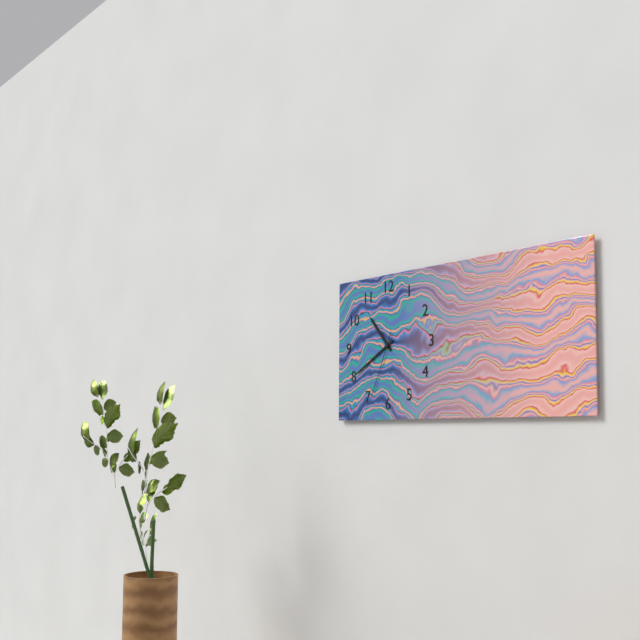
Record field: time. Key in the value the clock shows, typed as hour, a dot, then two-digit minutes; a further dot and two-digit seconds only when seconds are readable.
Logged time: 10.40.34
